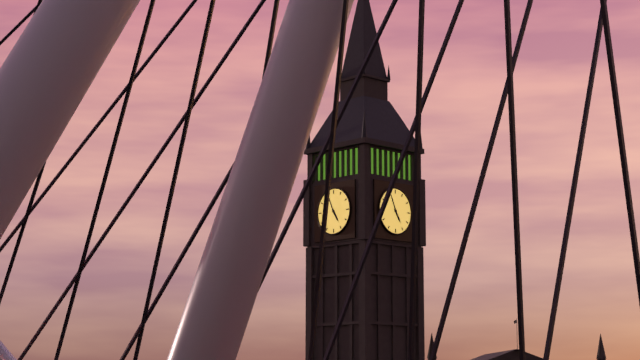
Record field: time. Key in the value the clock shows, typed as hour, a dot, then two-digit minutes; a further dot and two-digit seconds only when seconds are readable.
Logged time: 4.56
